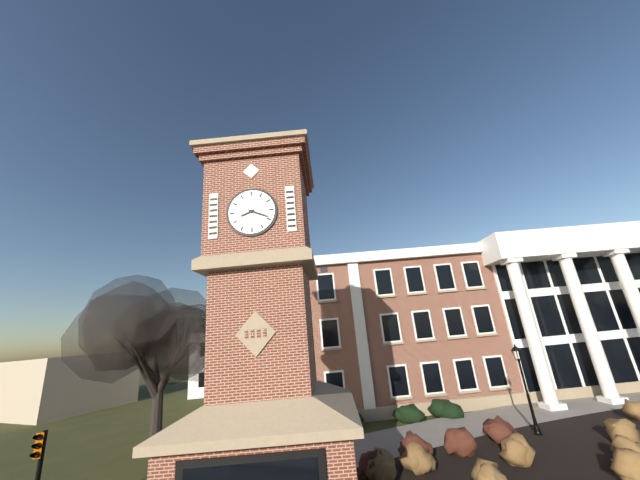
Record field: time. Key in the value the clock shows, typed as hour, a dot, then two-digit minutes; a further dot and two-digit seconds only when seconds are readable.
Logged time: 8.19
